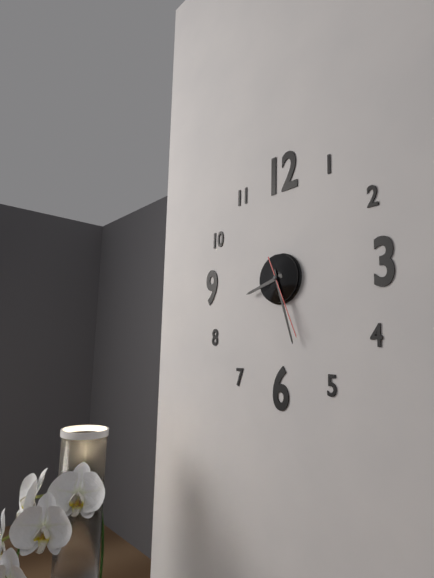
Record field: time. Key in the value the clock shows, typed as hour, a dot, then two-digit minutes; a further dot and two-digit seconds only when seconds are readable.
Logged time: 8.27.26
